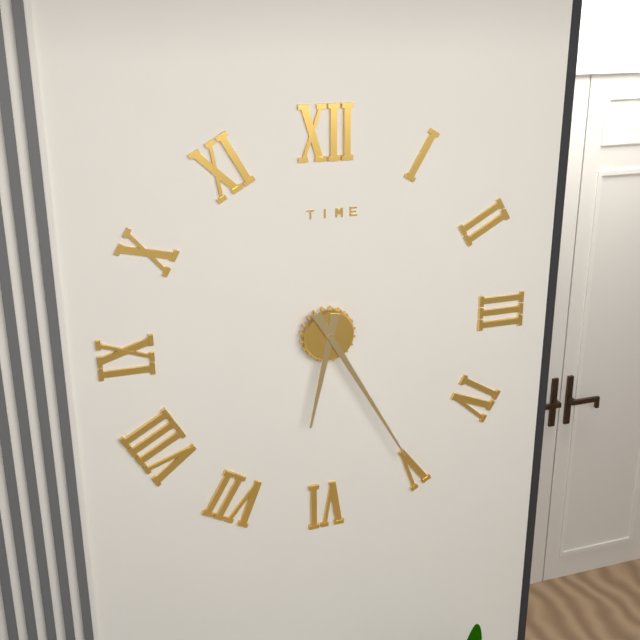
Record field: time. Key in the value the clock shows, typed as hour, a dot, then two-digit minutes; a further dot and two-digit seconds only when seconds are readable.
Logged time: 6.25
